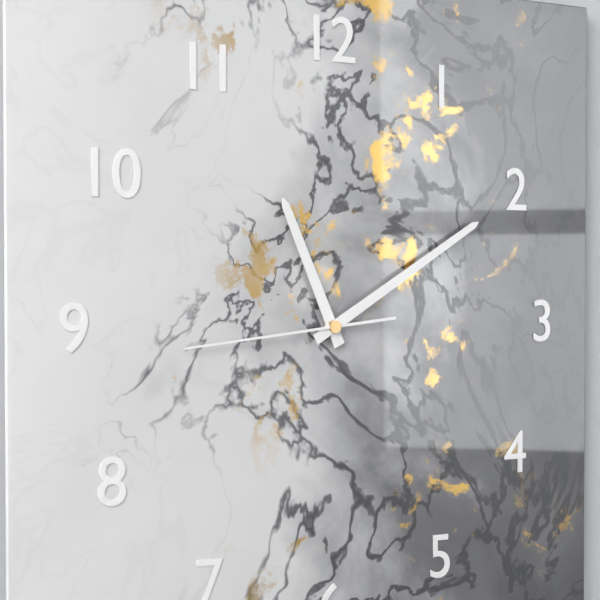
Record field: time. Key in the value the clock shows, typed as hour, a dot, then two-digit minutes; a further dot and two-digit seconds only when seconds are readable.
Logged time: 11.10.44
